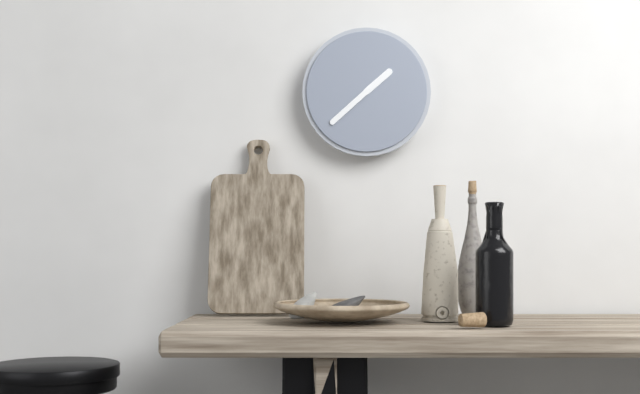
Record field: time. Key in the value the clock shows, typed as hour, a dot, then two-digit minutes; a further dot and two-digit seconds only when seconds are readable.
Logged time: 1.38
